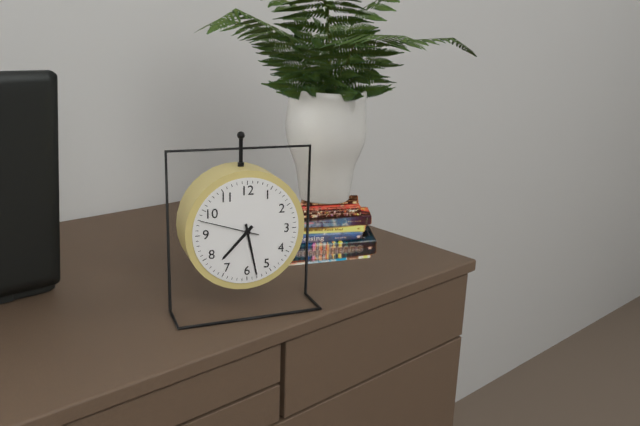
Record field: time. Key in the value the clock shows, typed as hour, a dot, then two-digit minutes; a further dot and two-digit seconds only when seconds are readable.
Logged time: 7.28.48
